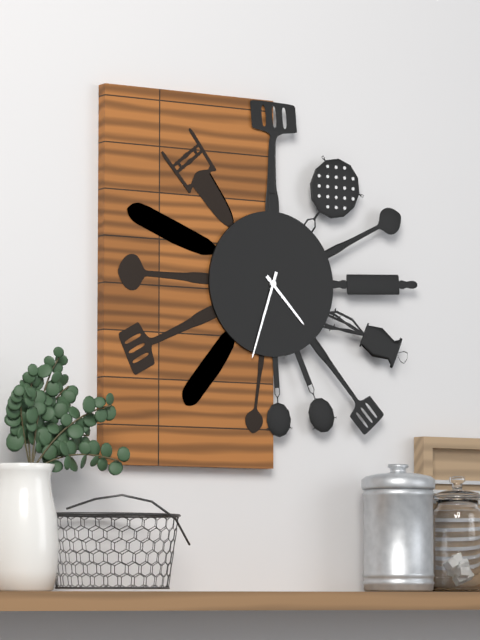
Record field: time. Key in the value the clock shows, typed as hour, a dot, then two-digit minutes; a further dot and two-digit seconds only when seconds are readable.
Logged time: 4.33
